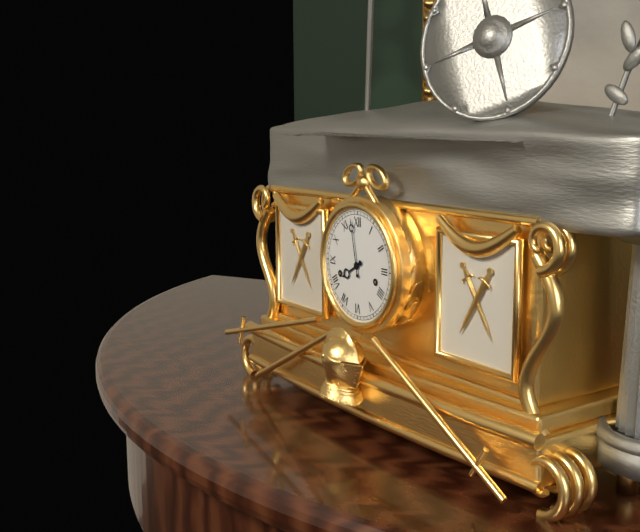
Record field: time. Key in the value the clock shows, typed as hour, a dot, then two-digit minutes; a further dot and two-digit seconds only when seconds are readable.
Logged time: 7.58
